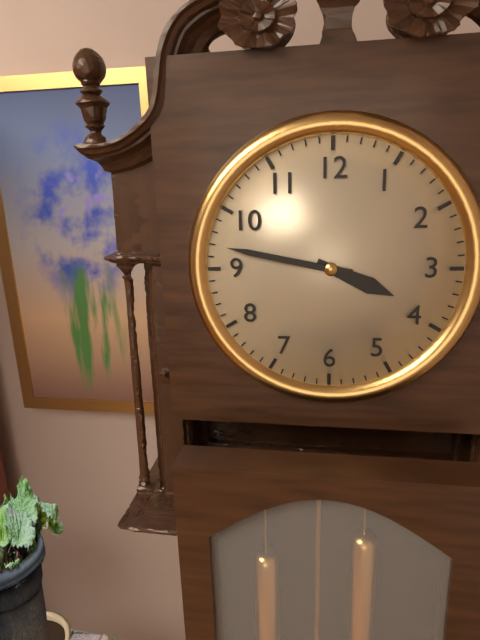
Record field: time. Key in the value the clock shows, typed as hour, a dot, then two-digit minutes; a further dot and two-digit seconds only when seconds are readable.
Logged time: 3.47
